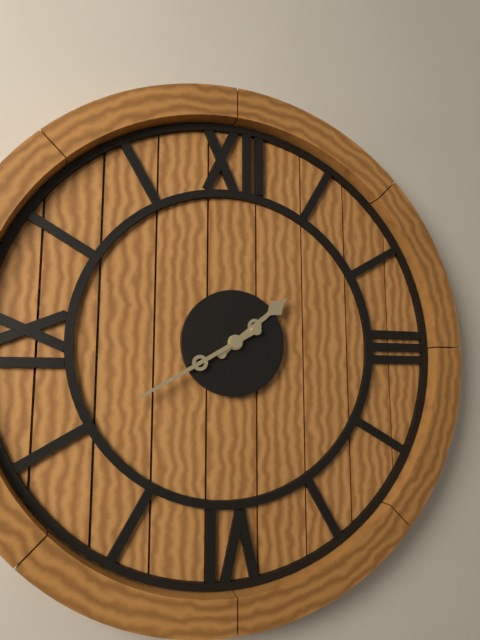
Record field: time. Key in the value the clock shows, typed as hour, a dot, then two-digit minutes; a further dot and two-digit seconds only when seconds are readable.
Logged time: 1.40
